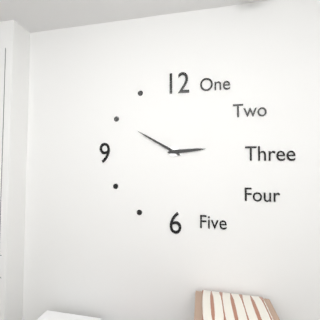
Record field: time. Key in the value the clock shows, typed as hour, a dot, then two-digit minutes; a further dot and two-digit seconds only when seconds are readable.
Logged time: 2.50
